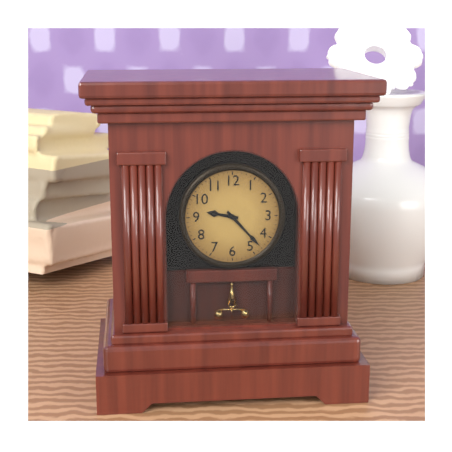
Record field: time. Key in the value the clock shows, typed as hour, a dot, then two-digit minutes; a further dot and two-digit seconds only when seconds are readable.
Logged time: 9.23
